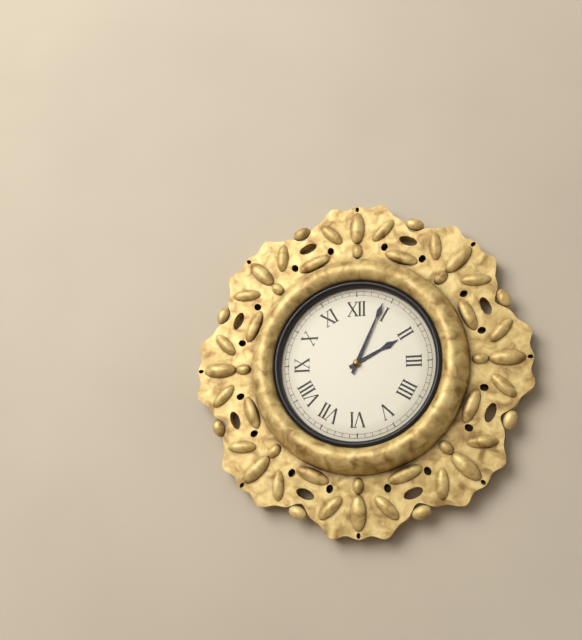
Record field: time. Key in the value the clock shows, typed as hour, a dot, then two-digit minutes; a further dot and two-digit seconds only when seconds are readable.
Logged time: 2.04
